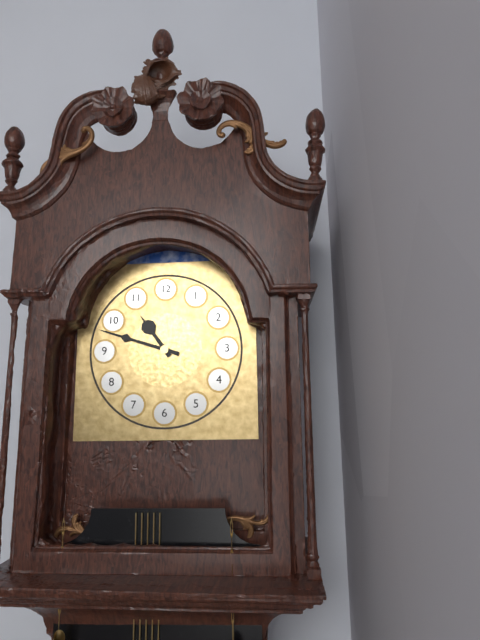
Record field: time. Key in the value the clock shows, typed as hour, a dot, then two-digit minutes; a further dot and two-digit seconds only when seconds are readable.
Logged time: 10.48
